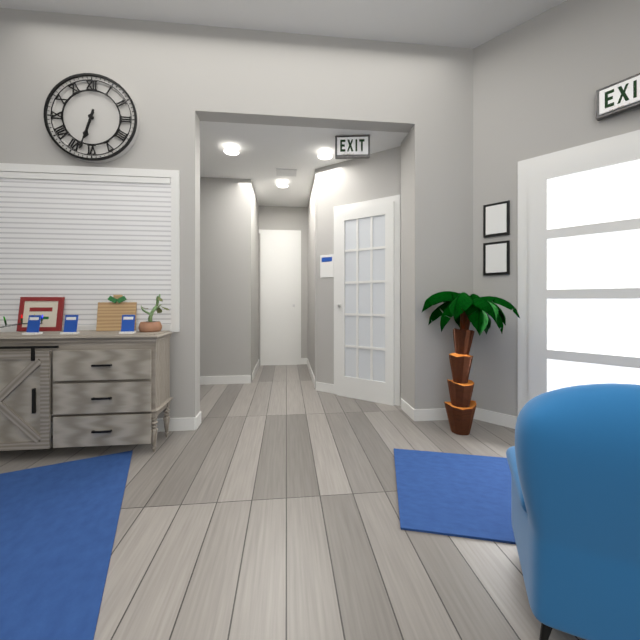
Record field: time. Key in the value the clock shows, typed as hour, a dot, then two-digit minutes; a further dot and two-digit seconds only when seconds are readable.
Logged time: 6.33
